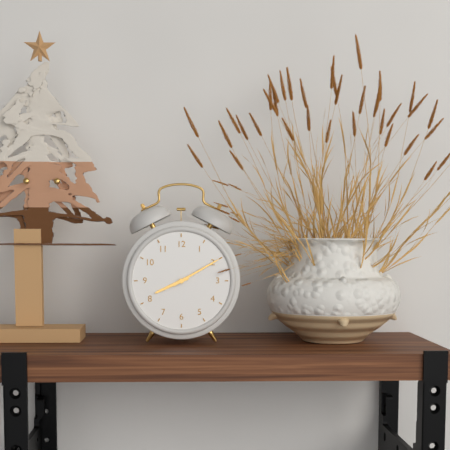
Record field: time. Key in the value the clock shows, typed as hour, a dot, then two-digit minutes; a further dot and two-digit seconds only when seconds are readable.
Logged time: 8.10
